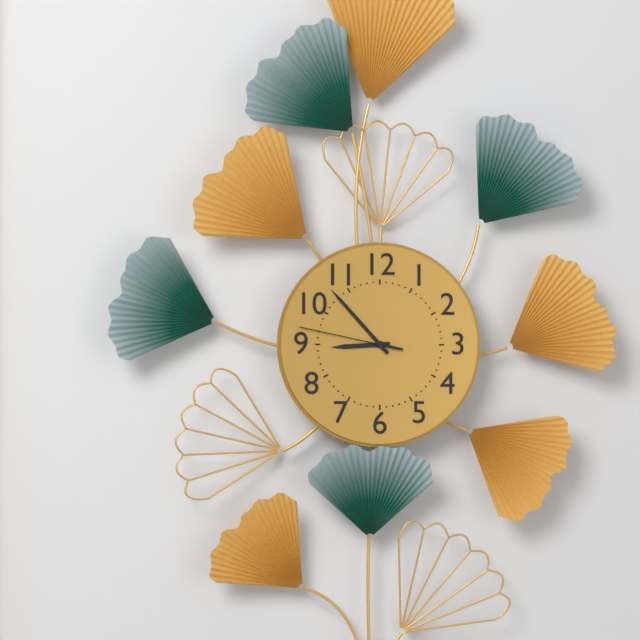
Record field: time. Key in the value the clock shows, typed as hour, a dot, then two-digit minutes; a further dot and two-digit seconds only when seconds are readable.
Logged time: 8.53.47
